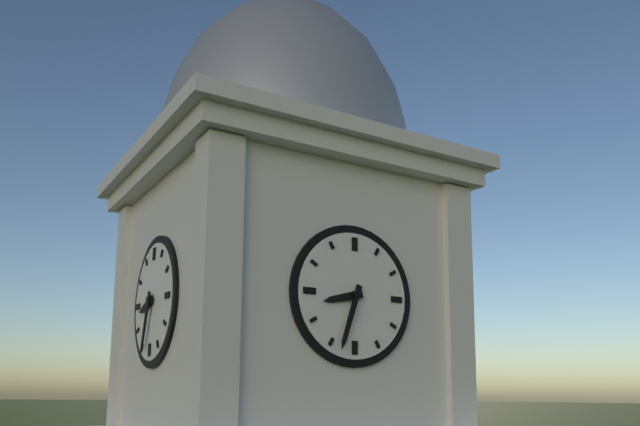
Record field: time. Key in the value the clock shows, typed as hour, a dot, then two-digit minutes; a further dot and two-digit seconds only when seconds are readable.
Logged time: 8.33
